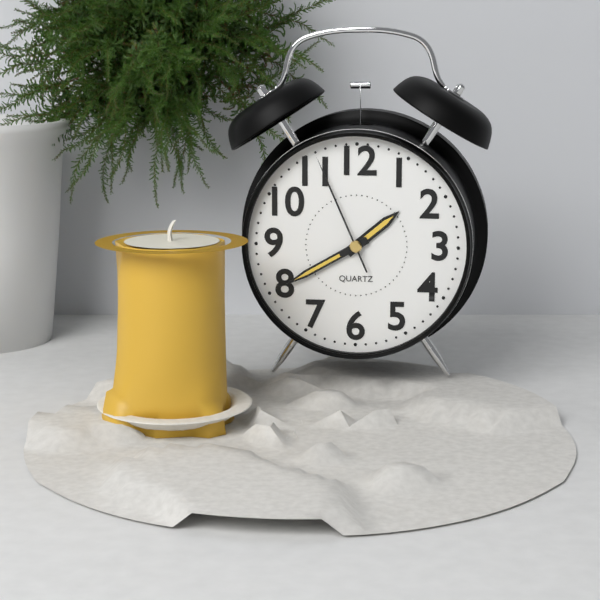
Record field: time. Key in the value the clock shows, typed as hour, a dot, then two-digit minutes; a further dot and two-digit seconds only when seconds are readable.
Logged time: 1.40.56
